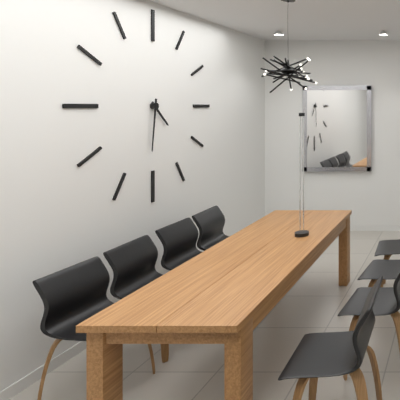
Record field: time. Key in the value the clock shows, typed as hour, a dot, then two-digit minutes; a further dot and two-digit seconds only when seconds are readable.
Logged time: 4.31
